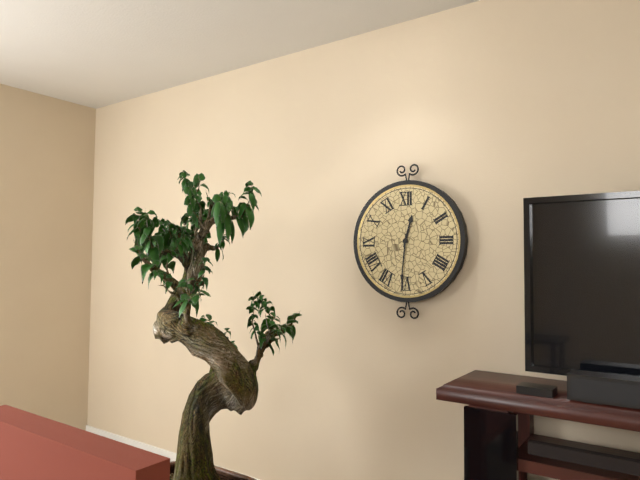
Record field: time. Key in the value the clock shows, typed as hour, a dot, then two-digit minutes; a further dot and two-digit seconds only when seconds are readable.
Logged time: 12.31
